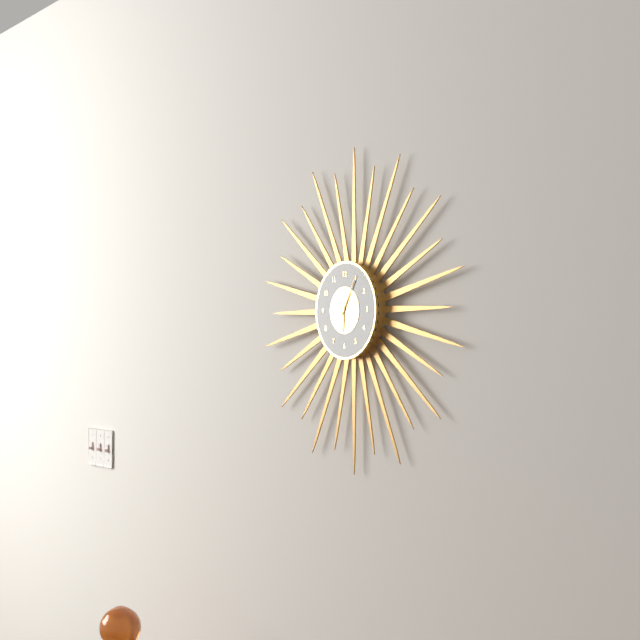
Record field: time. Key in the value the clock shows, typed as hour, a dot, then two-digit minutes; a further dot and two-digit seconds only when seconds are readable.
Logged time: 6.05
